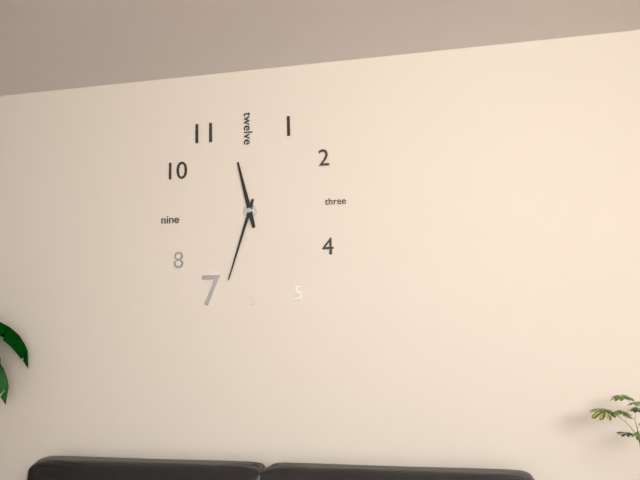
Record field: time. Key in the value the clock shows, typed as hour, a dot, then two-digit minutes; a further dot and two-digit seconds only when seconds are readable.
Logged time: 11.33
